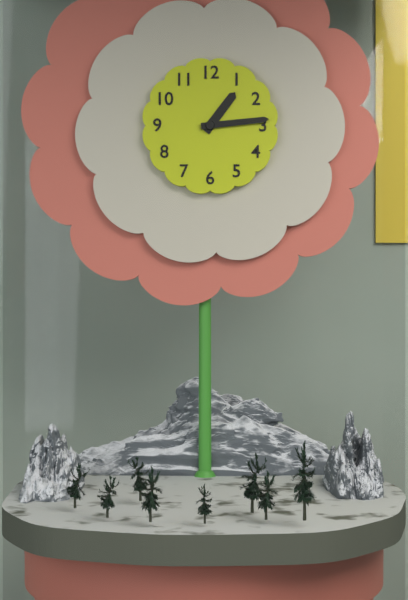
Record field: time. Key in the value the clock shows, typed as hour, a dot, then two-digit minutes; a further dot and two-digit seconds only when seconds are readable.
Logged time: 1.14
